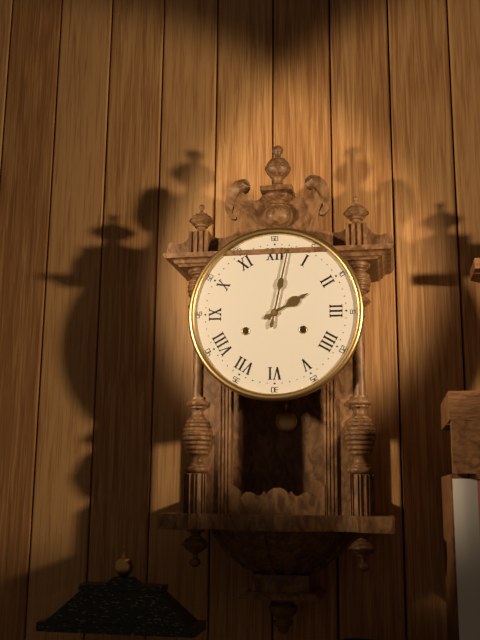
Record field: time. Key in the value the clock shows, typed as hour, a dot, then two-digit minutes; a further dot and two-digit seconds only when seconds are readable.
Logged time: 2.02
